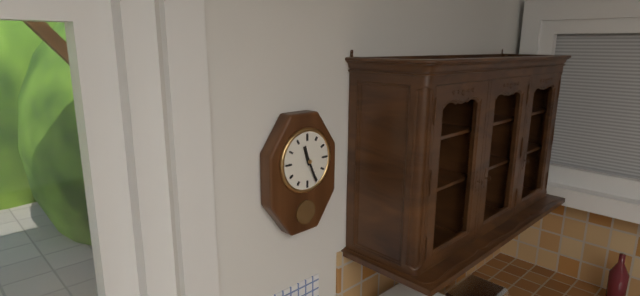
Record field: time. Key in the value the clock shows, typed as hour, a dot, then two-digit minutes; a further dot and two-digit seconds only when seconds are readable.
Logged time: 11.26
